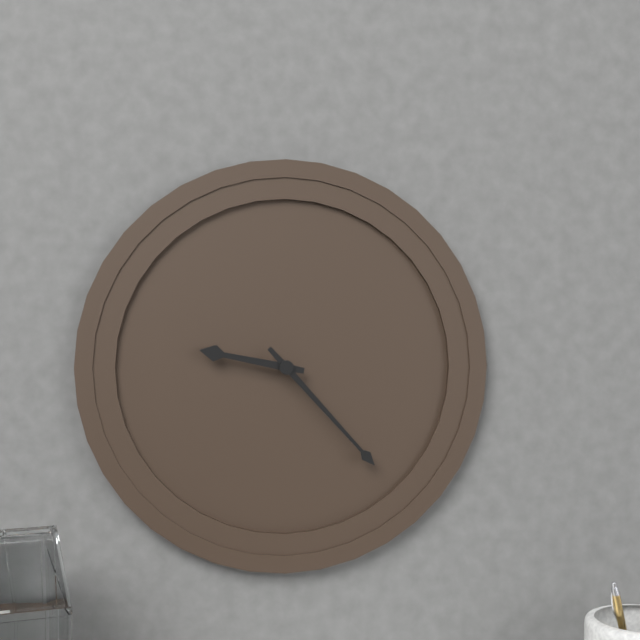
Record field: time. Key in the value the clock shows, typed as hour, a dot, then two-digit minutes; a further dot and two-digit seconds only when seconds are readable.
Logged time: 9.23
